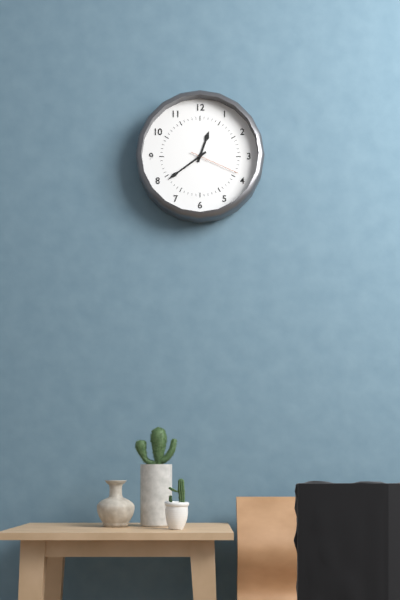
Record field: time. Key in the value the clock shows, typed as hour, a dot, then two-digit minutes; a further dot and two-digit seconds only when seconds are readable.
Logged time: 12.39.19
